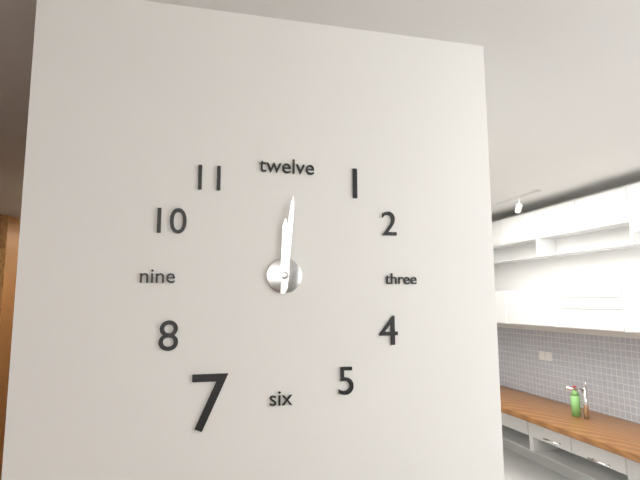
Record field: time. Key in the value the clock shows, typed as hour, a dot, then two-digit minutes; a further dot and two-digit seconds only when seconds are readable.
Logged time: 12.01
